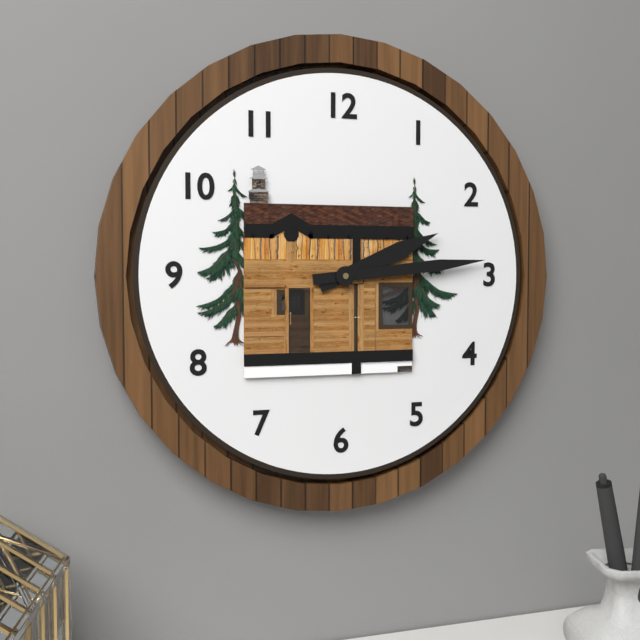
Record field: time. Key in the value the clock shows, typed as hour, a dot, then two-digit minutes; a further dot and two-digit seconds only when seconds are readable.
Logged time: 2.14
